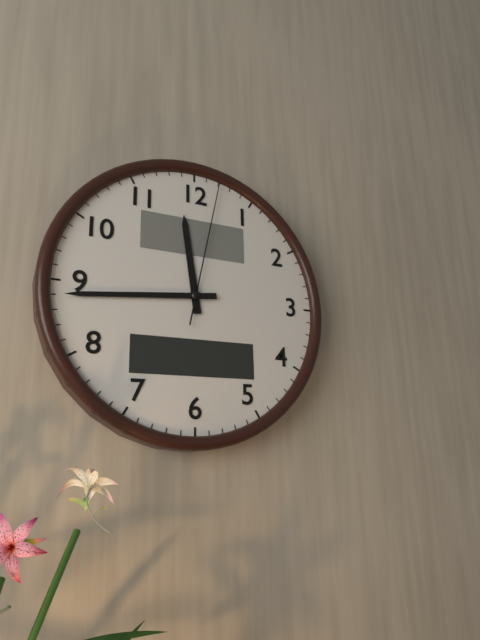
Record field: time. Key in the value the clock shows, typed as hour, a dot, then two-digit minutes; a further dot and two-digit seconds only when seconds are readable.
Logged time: 11.44.02
